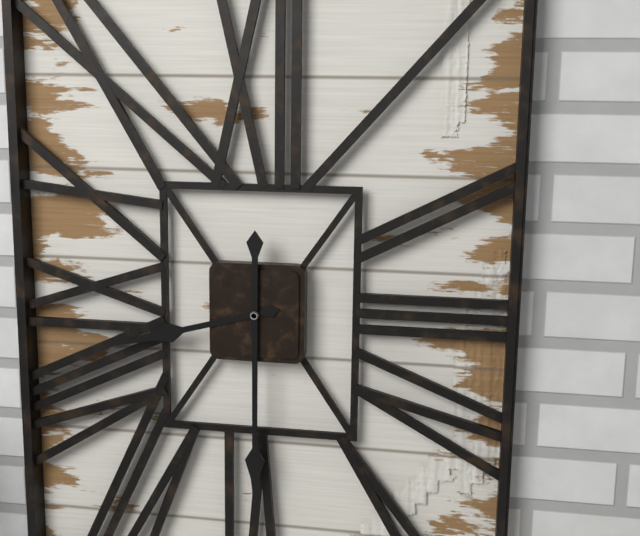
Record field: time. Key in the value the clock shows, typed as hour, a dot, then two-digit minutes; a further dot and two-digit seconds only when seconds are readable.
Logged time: 8.30
